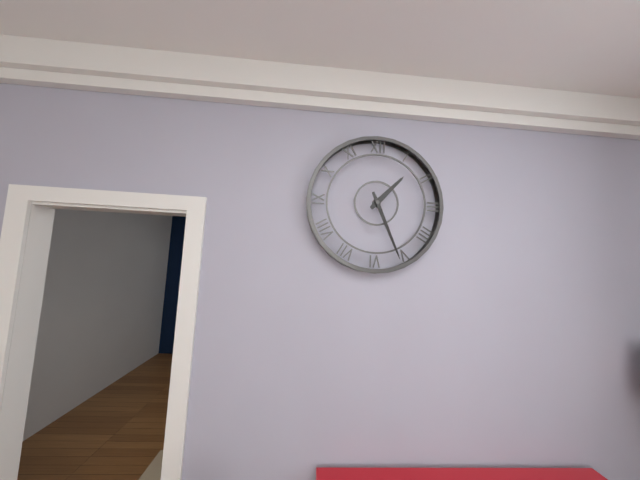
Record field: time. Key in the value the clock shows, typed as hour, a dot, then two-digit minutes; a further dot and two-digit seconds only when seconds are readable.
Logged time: 1.26
